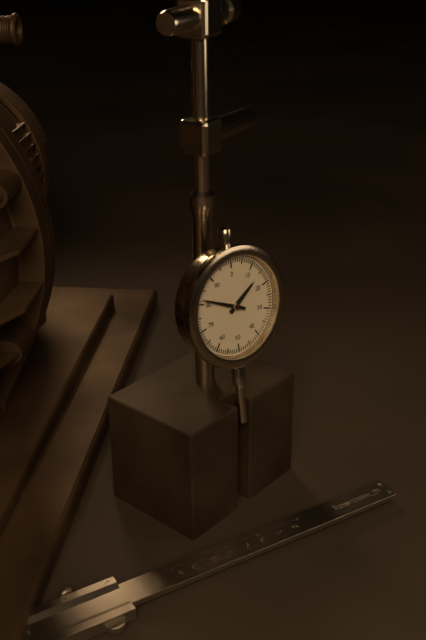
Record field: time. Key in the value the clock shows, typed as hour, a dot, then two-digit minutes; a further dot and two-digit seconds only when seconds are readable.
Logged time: 1.49
